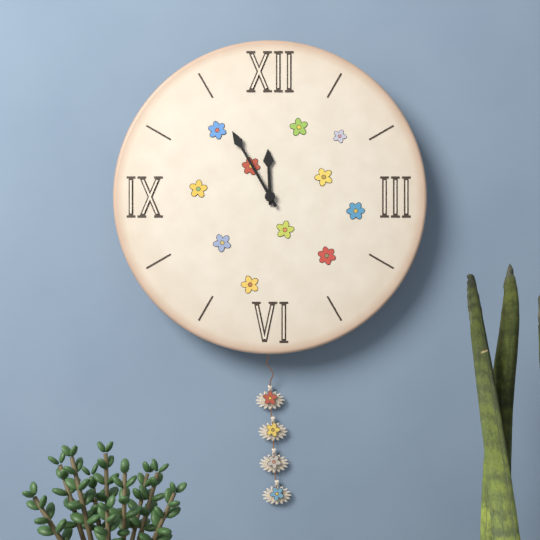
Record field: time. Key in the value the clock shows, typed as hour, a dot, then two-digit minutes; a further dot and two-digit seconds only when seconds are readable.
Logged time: 11.55
